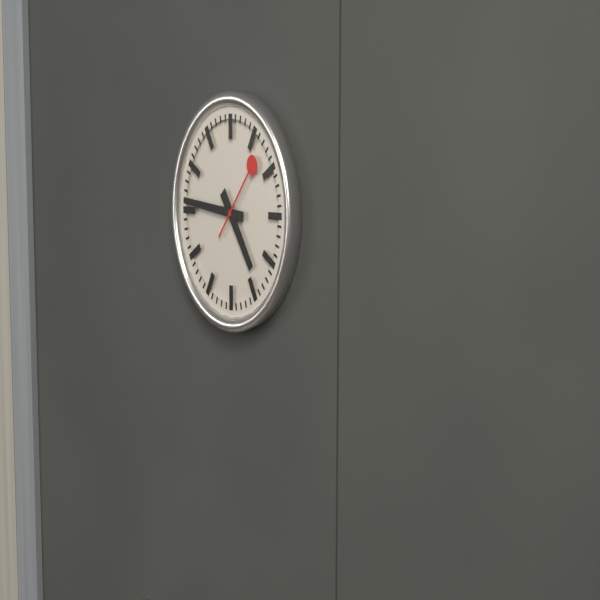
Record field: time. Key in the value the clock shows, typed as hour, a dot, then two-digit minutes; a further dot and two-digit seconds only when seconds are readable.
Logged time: 4.46.07
